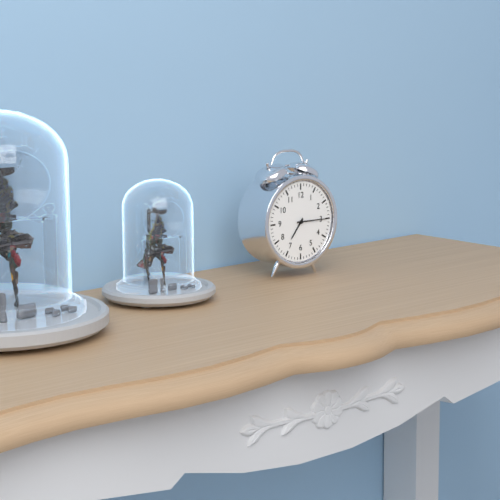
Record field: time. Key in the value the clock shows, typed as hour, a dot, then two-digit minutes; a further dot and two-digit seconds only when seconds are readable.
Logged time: 7.15
